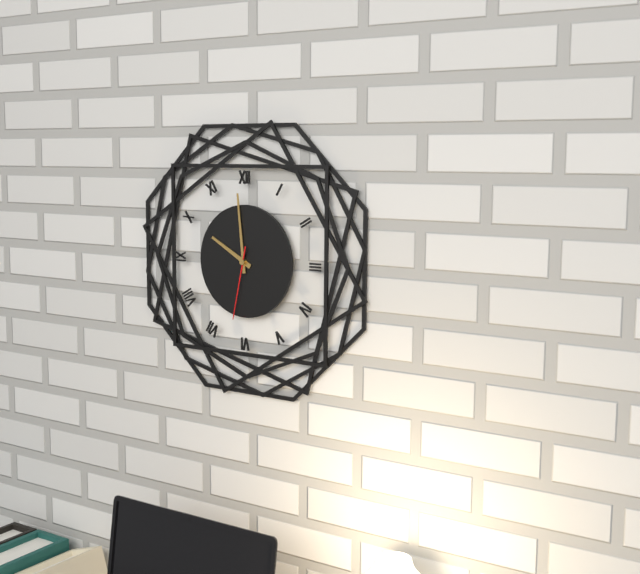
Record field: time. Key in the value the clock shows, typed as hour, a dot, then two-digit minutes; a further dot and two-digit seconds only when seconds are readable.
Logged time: 9.59.32
